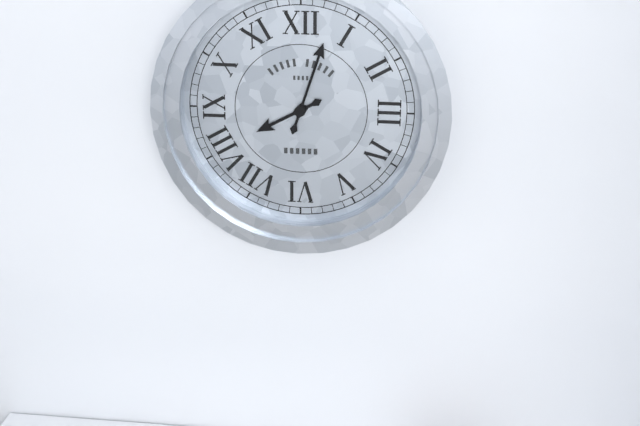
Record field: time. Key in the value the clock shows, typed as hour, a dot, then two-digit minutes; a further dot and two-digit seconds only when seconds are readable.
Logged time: 8.03
